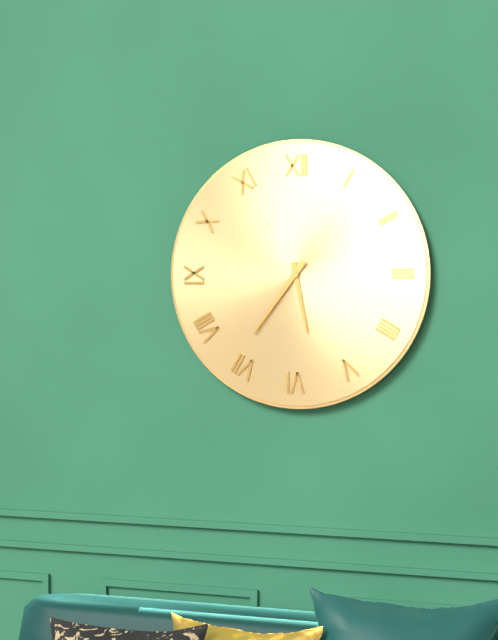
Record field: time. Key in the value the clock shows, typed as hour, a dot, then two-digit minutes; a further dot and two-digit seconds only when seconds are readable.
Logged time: 5.36
